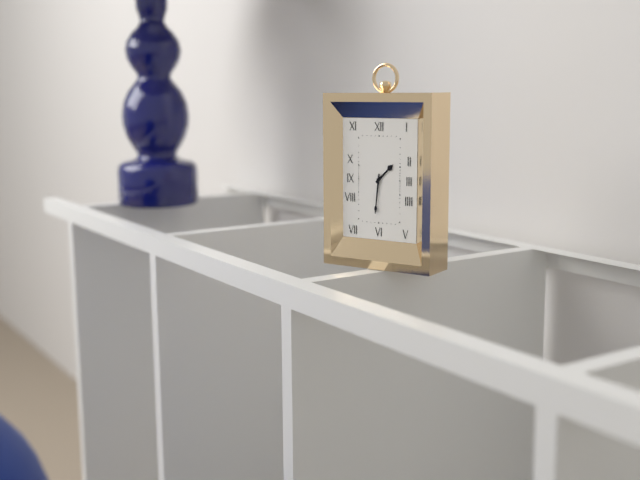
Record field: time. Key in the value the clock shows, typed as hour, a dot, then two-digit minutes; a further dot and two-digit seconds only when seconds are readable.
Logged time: 1.31
